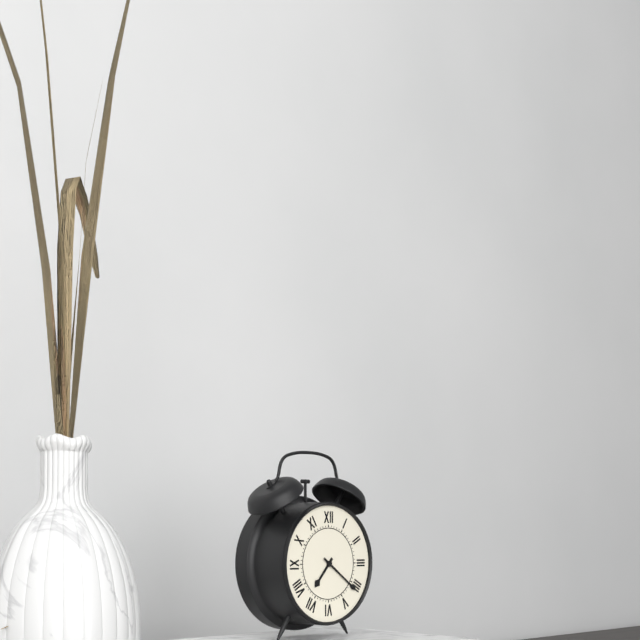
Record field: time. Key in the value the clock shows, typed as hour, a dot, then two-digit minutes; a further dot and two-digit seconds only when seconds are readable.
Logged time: 7.21
